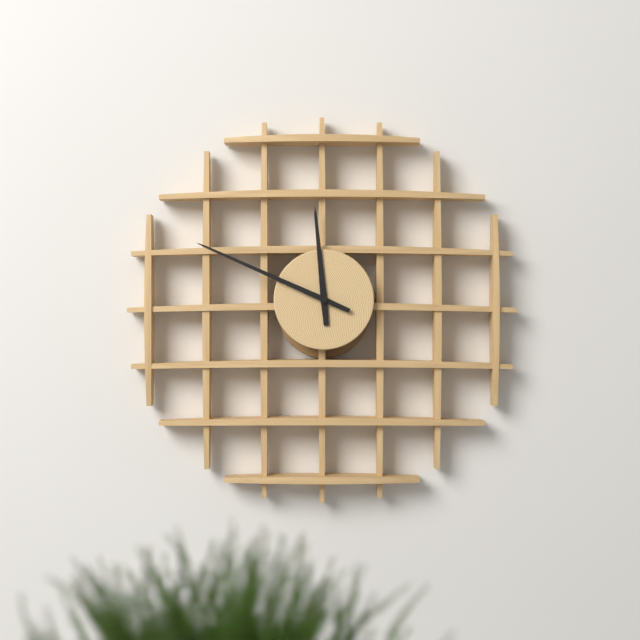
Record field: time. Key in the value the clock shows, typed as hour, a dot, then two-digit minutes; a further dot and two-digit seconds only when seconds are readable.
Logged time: 11.49
